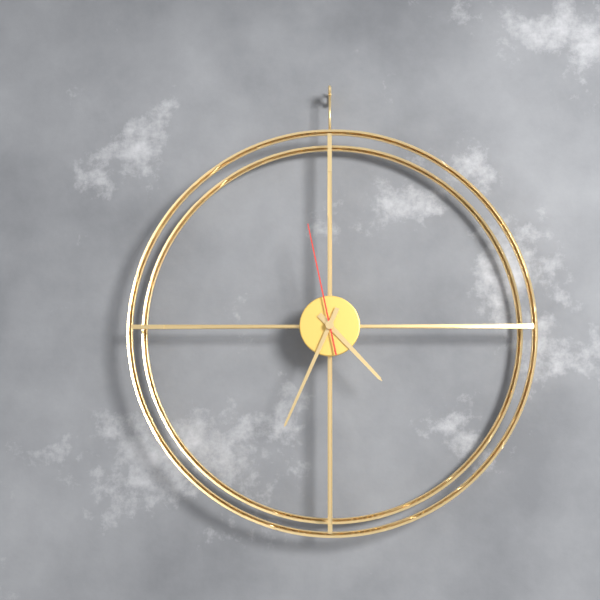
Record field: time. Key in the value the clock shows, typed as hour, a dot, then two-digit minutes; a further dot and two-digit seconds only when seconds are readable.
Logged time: 4.34.58
